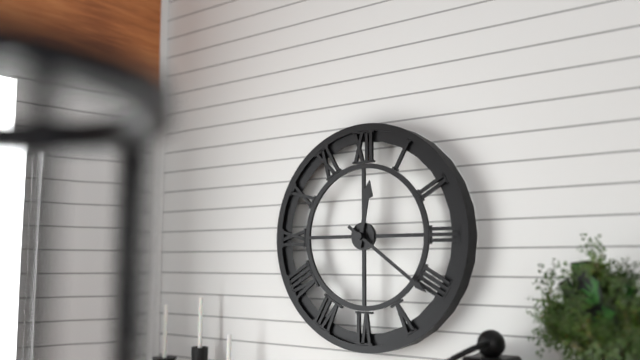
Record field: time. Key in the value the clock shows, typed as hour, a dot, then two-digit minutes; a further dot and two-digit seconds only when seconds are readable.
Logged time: 12.21
